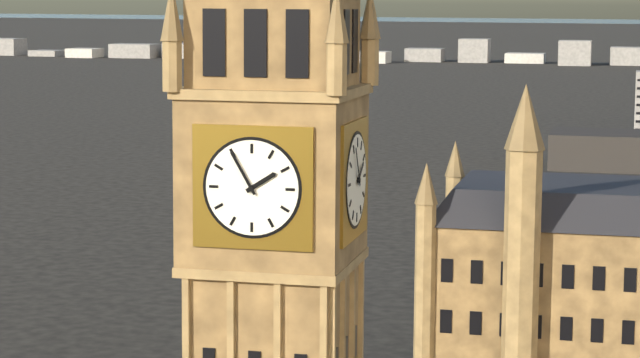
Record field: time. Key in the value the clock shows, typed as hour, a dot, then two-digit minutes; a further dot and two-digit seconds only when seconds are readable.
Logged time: 1.55
